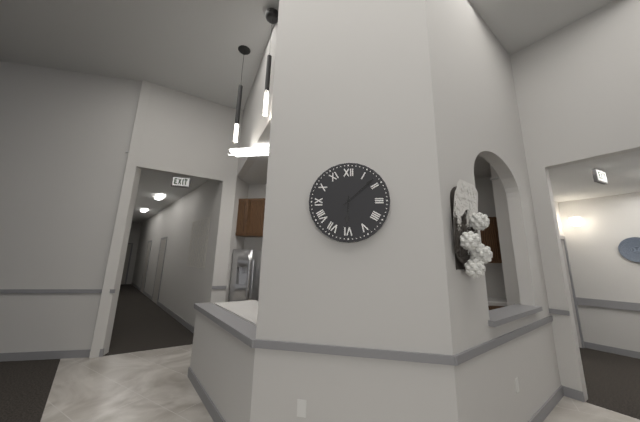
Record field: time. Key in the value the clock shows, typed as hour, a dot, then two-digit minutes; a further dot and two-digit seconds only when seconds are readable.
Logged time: 6.08
